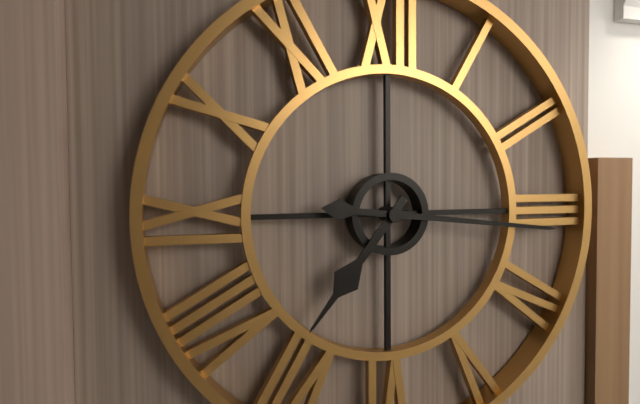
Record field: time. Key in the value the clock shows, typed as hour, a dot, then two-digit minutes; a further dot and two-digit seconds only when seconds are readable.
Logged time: 7.16
